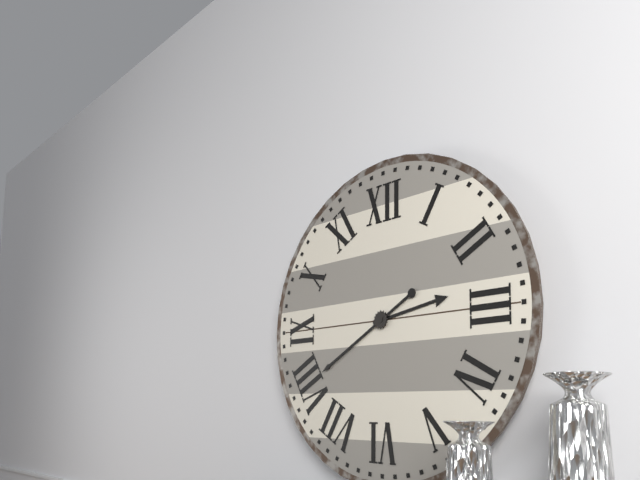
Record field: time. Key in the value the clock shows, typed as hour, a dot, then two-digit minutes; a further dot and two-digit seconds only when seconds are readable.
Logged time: 2.40
